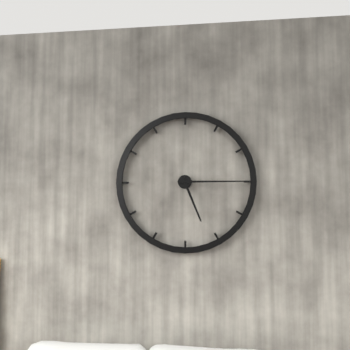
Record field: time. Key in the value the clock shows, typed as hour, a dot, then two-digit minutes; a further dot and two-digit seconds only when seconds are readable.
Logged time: 5.15
